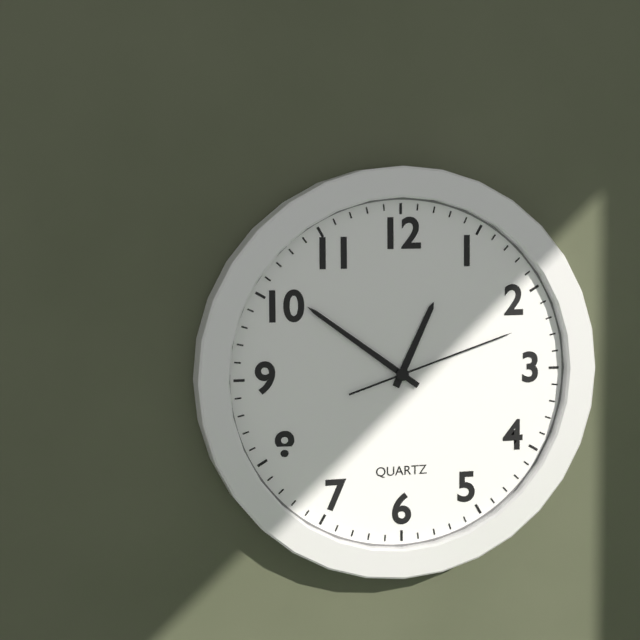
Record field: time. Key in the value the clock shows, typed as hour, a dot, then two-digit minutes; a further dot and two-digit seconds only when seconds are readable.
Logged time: 12.51.12
